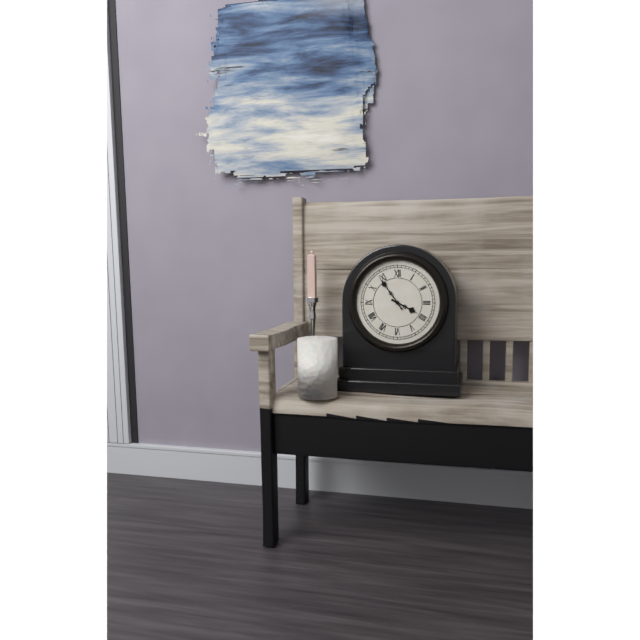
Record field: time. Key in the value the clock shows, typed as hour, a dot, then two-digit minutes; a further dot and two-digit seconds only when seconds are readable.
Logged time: 3.54
